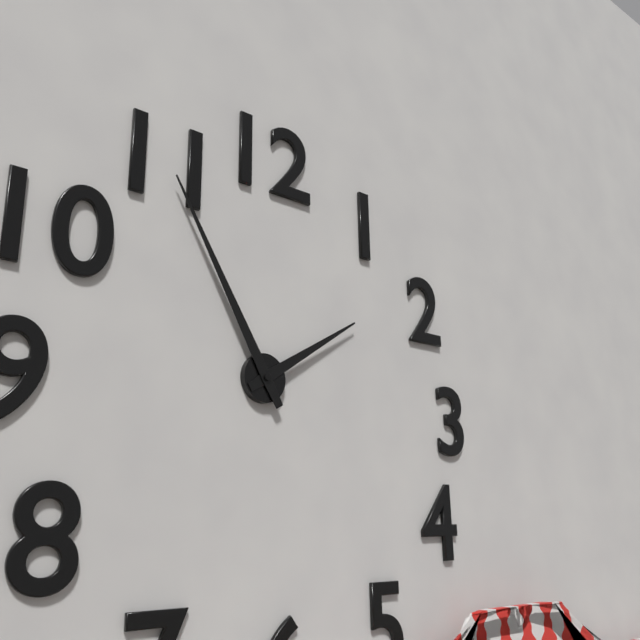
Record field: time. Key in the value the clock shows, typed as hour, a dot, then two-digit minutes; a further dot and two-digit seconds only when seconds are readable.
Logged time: 1.55
